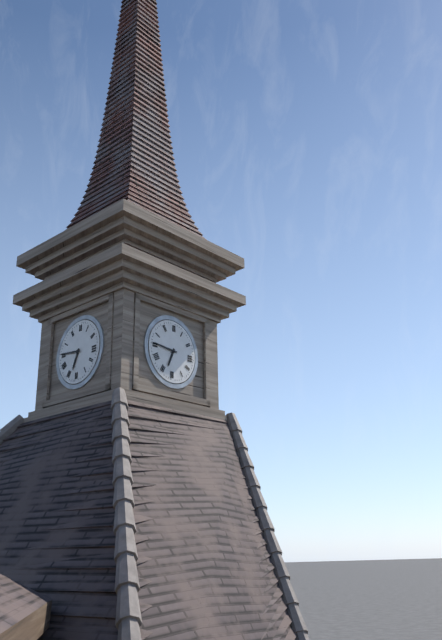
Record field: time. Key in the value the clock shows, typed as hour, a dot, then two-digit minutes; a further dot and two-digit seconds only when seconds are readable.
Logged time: 6.46
